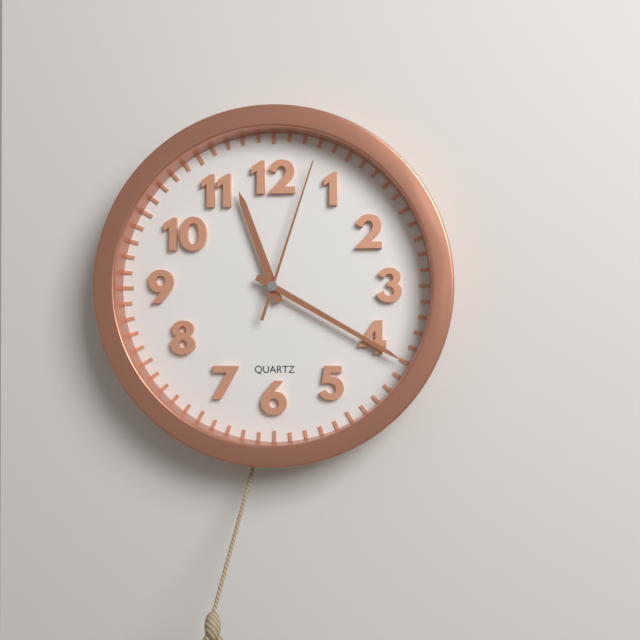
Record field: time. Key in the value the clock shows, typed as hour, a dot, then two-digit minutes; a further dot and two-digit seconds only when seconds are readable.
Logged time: 11.20.03
